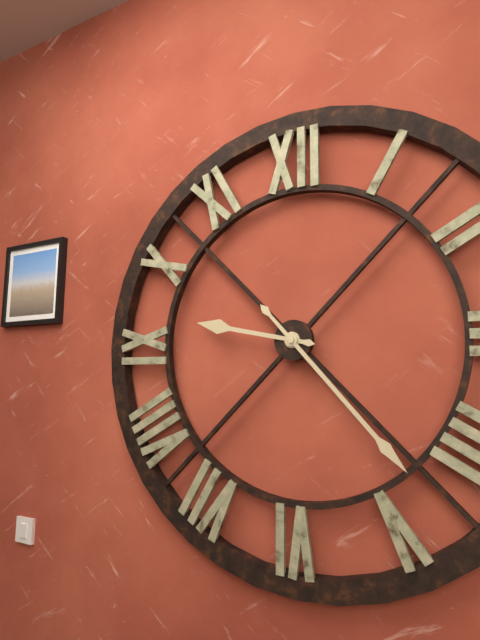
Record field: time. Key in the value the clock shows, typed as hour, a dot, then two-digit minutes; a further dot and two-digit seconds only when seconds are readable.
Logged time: 9.23
